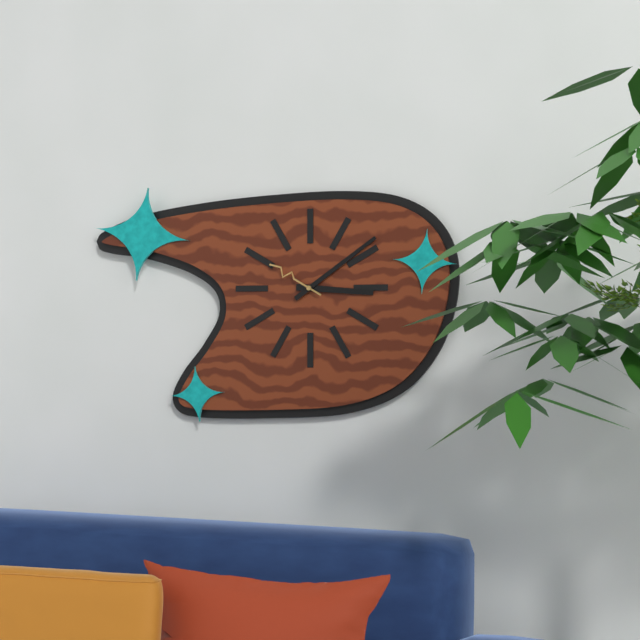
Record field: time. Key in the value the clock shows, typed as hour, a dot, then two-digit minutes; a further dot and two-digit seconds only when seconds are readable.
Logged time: 3.09.50
